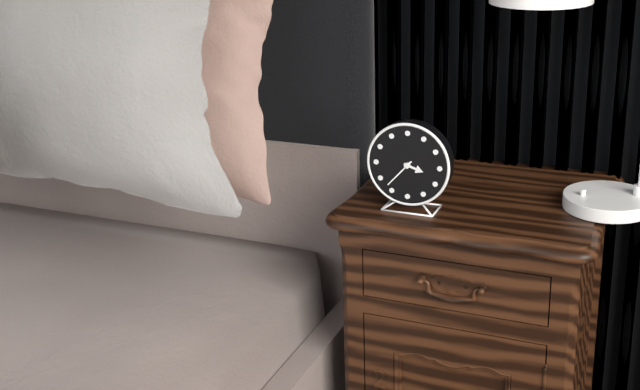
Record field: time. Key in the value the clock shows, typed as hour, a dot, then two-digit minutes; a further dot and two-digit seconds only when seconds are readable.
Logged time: 3.37
